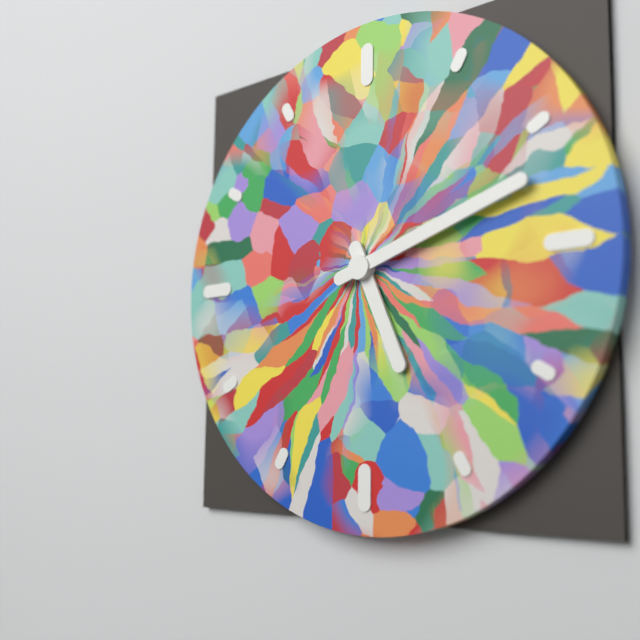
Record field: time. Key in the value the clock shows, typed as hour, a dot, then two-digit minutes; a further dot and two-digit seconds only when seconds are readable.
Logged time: 5.12
